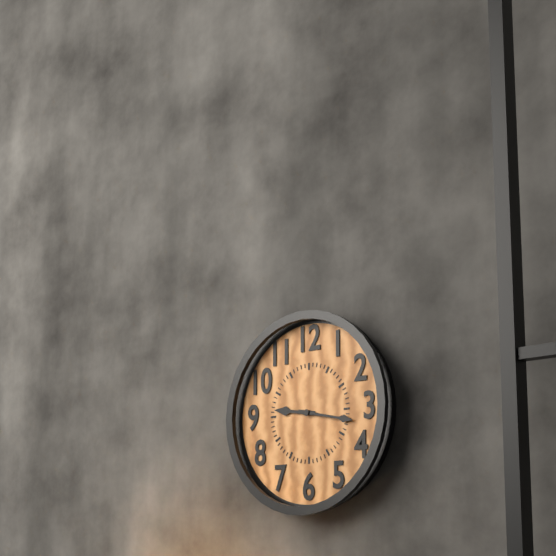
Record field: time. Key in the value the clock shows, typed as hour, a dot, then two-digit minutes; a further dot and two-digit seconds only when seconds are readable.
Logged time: 9.17
